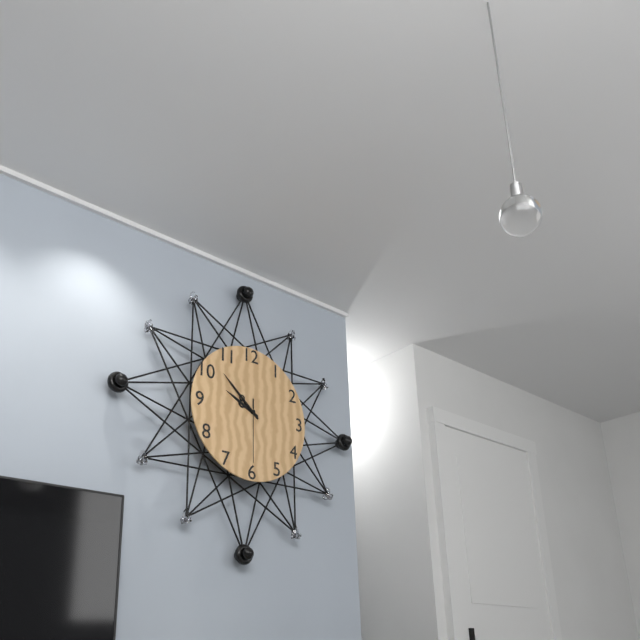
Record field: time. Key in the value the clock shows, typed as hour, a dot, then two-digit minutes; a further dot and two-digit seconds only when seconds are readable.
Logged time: 9.52.30
